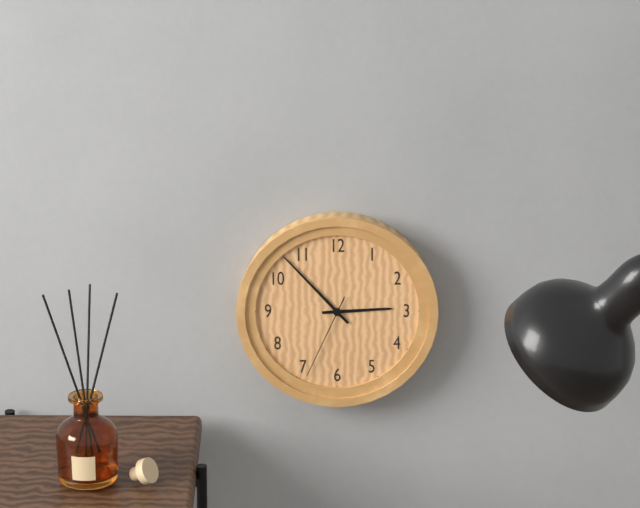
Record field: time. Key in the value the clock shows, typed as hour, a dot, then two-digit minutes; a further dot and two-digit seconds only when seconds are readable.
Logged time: 2.53.34
